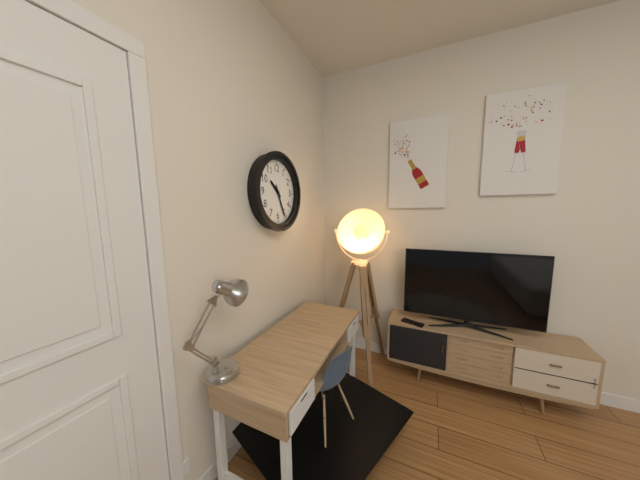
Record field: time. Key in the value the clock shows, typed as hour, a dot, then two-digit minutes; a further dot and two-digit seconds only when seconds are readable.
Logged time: 10.26
